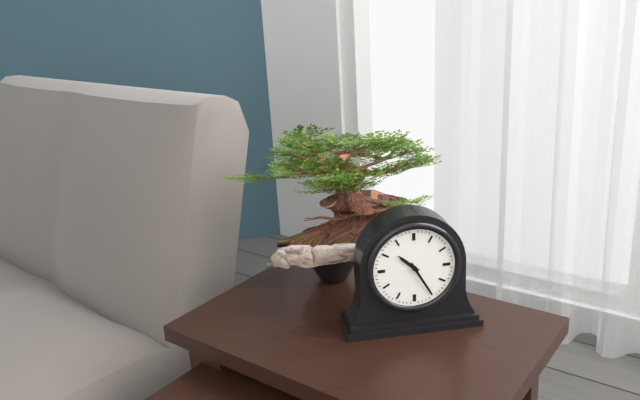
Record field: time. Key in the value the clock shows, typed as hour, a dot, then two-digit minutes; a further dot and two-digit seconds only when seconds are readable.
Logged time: 10.25
